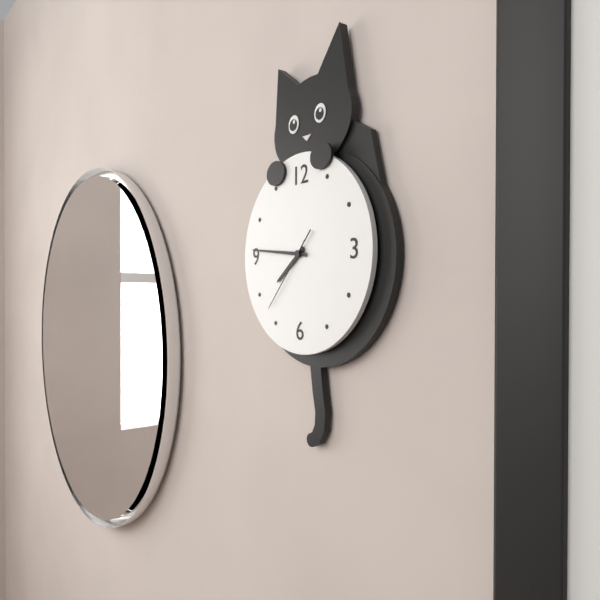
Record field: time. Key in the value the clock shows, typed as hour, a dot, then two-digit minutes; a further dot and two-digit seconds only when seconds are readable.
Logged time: 7.46.37
